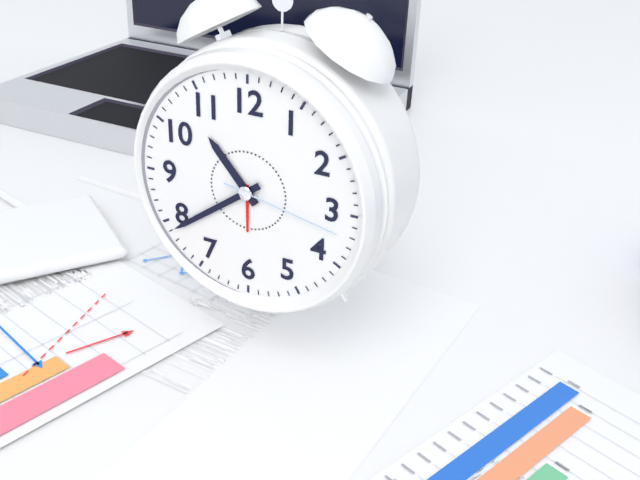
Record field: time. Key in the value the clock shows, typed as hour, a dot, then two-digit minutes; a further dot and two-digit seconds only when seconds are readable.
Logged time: 10.39.17
